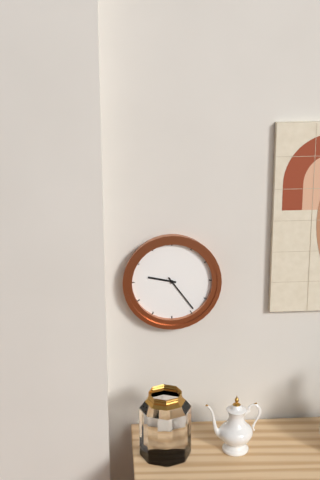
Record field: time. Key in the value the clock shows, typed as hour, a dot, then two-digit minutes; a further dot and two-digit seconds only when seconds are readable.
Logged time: 9.24
